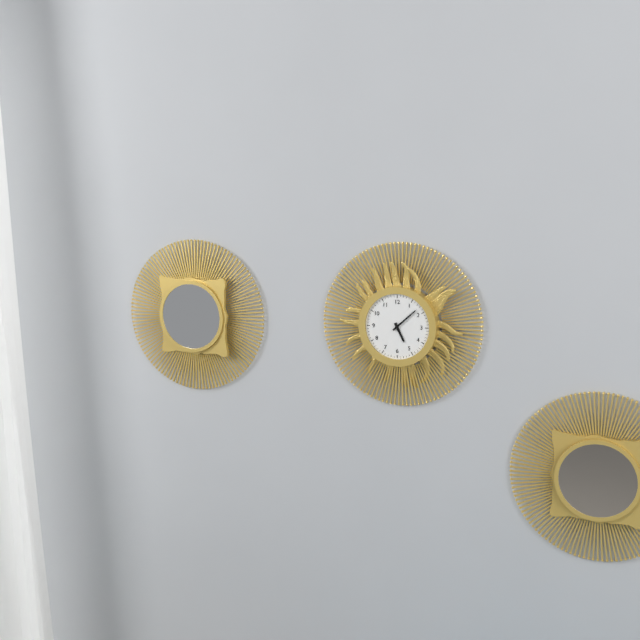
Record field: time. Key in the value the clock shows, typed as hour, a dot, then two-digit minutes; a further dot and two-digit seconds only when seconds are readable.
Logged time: 5.08
